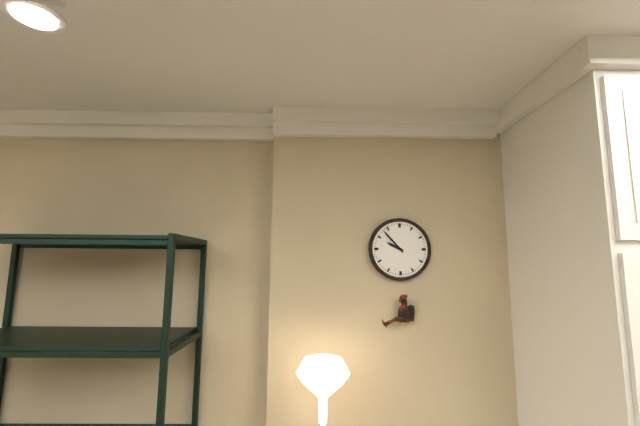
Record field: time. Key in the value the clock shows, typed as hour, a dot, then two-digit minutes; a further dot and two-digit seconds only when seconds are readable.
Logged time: 9.53
